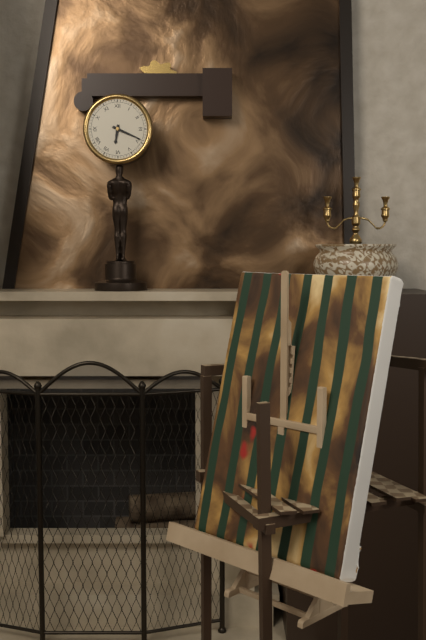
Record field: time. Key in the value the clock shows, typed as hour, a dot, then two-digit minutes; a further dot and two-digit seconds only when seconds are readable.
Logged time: 6.19
